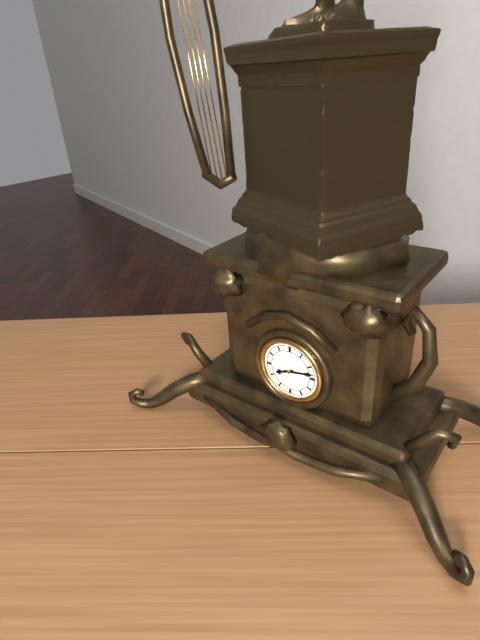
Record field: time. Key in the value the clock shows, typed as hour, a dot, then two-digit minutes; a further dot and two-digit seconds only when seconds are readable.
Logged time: 8.13
